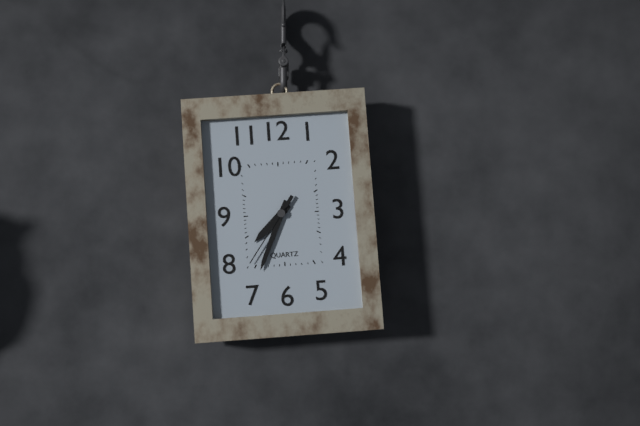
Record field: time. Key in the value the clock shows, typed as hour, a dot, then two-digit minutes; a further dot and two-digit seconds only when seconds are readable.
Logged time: 7.34.36
